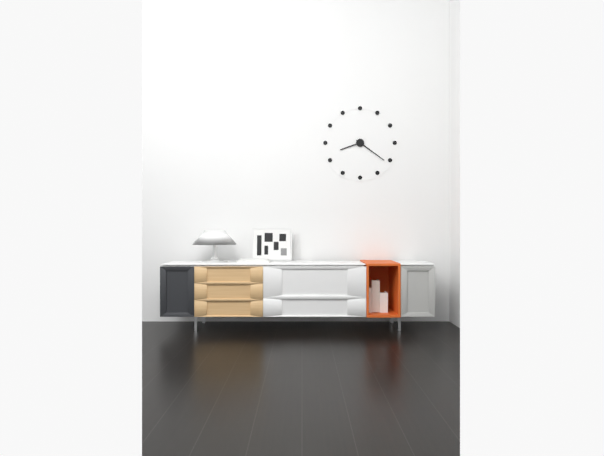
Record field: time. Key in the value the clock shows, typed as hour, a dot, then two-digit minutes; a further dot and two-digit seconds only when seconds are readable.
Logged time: 8.21
